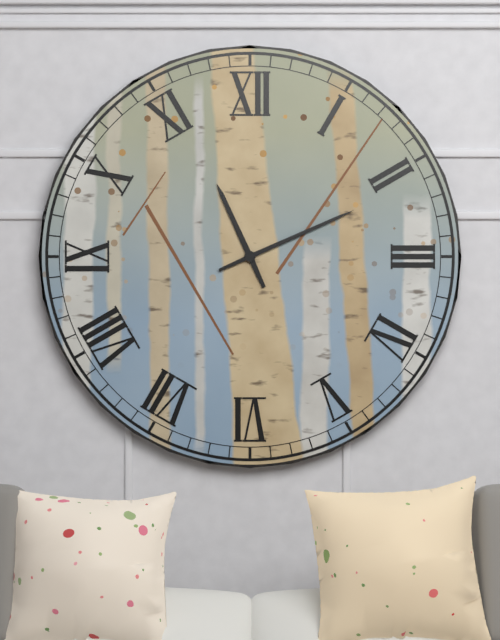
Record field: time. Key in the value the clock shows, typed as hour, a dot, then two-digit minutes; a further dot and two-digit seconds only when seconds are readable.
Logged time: 11.11
